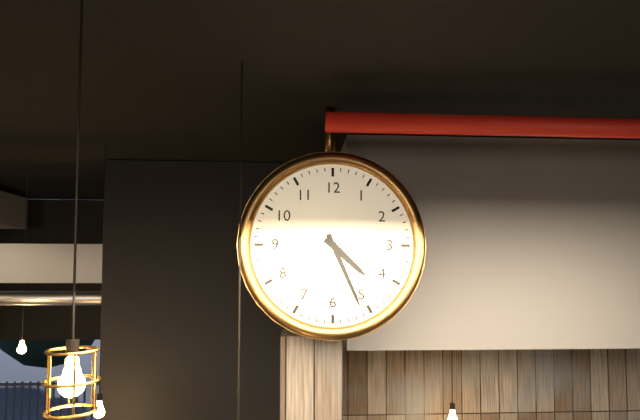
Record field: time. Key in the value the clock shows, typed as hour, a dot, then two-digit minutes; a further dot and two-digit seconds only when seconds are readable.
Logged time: 4.26
